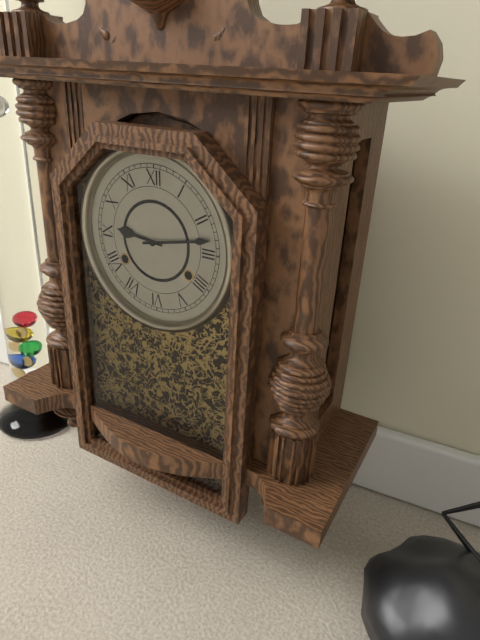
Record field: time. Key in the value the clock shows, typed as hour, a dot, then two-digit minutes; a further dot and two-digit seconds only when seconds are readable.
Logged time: 9.13
